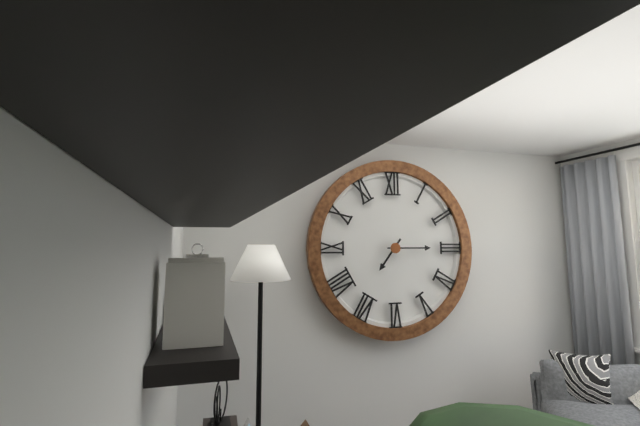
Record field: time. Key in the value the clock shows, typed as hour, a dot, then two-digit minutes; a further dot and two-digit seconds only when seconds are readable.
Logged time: 7.15
